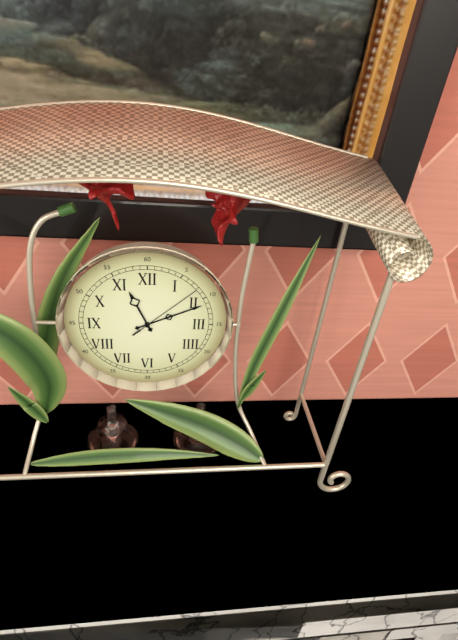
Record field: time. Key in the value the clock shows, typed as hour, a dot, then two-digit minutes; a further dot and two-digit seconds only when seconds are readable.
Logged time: 11.11.08
